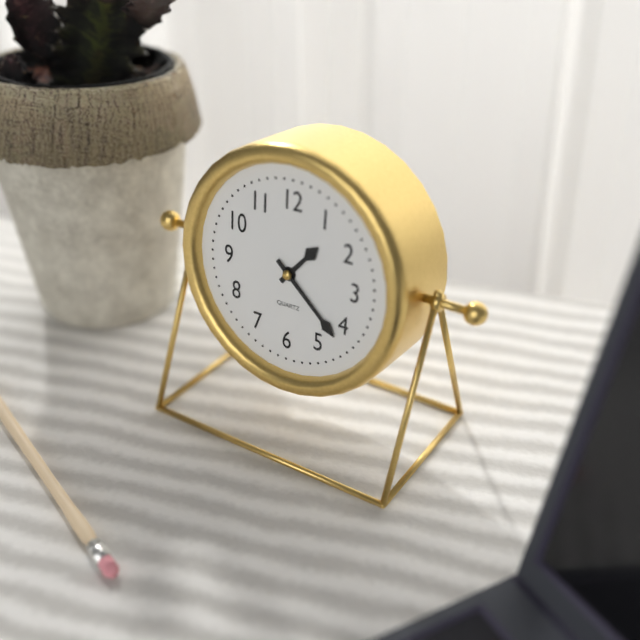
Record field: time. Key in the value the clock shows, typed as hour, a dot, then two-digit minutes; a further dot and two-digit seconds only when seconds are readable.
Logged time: 1.22
